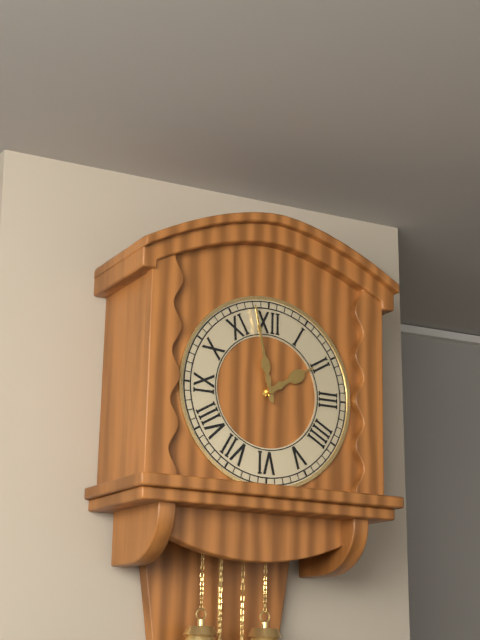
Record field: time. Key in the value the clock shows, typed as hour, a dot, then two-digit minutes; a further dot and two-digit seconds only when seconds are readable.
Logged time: 1.58
